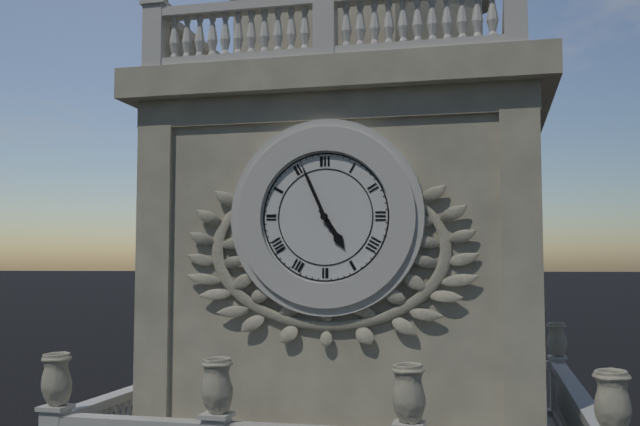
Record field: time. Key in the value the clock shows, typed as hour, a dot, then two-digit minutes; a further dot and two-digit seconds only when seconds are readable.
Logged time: 4.56
